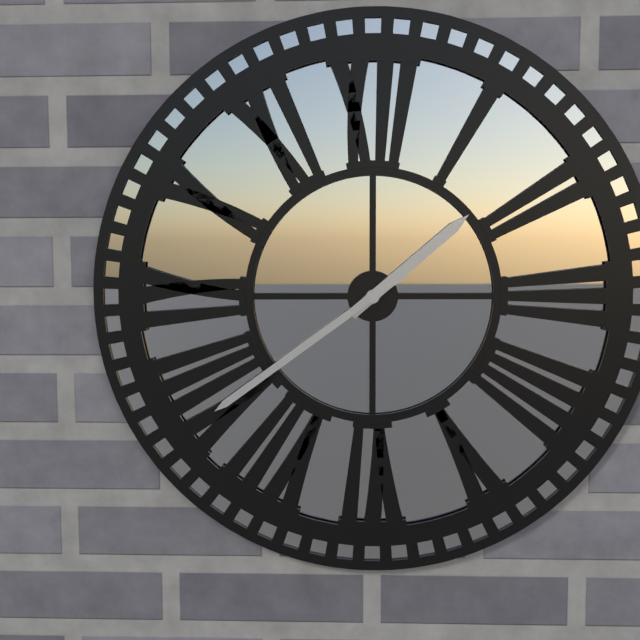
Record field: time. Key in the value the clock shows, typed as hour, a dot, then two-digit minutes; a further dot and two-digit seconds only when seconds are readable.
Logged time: 1.39
